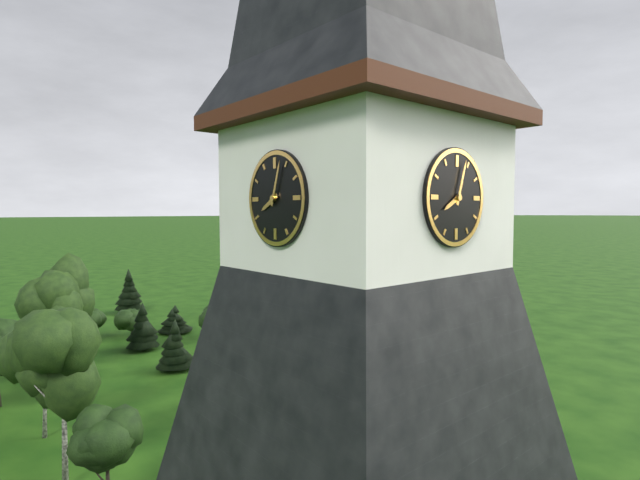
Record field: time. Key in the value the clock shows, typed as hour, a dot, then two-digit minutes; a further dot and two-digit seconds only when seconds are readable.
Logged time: 8.03
